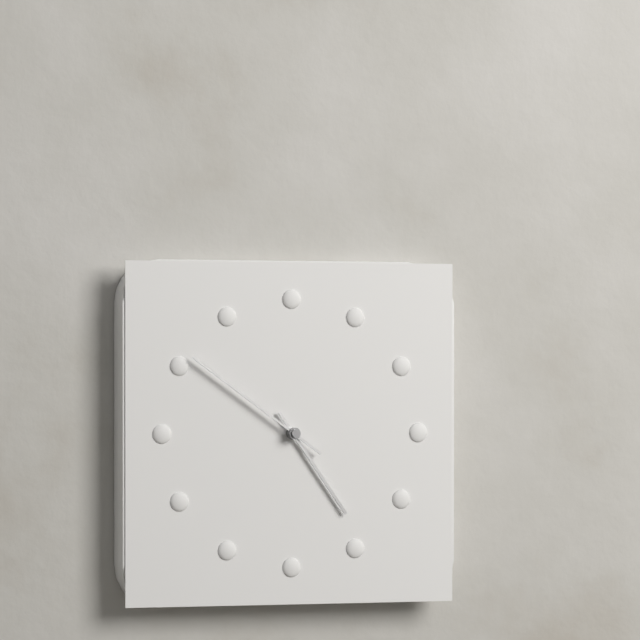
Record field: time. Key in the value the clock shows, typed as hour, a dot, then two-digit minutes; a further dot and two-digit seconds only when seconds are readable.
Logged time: 4.51
